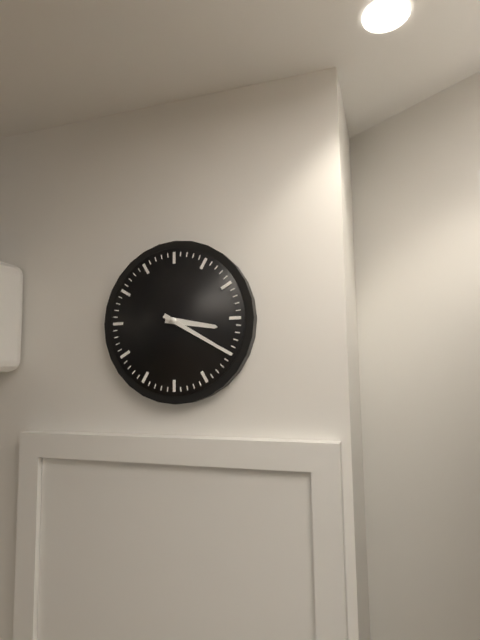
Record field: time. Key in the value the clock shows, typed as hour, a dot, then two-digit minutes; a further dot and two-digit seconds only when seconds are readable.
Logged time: 3.20
